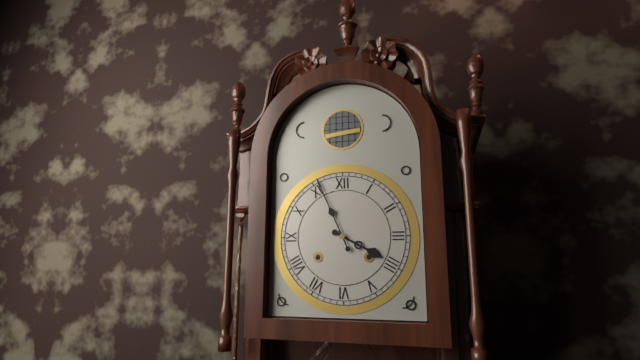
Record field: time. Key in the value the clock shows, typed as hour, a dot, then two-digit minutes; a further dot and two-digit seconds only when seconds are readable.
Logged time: 3.56
